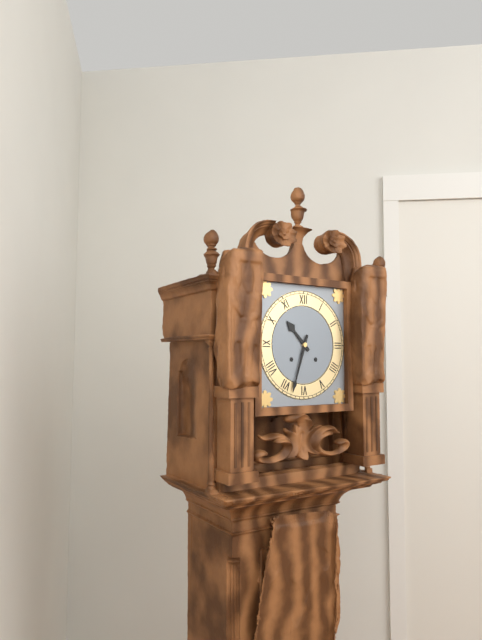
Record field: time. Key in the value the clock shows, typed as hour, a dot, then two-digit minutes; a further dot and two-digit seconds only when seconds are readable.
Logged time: 10.33
